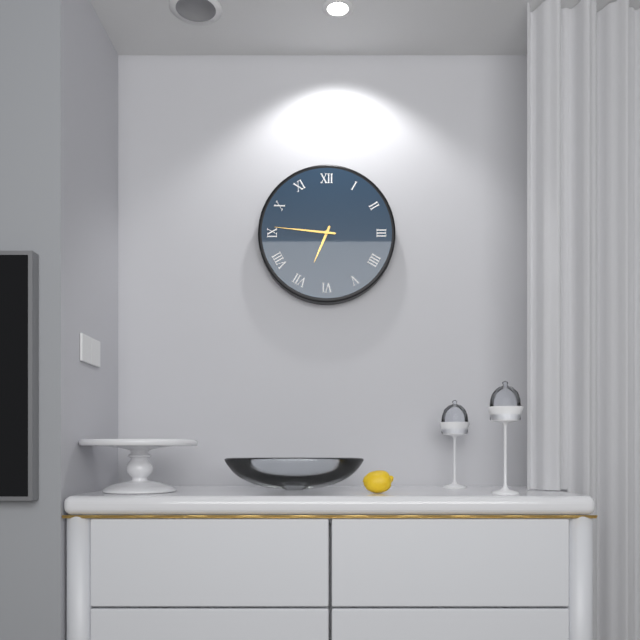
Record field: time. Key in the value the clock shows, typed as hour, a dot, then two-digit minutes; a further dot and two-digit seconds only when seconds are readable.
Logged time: 6.46
